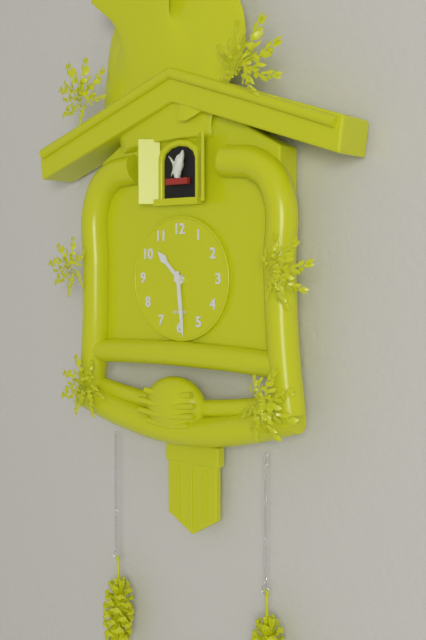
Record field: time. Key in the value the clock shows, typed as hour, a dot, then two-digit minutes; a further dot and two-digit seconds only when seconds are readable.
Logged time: 10.29
